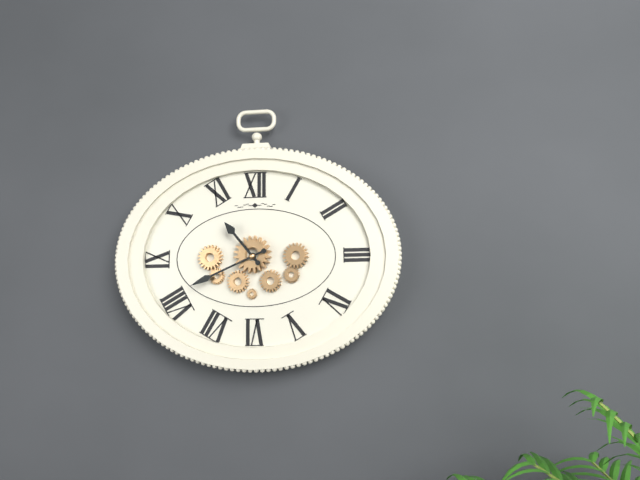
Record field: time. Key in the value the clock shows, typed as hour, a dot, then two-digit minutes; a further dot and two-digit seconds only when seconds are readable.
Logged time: 10.41
